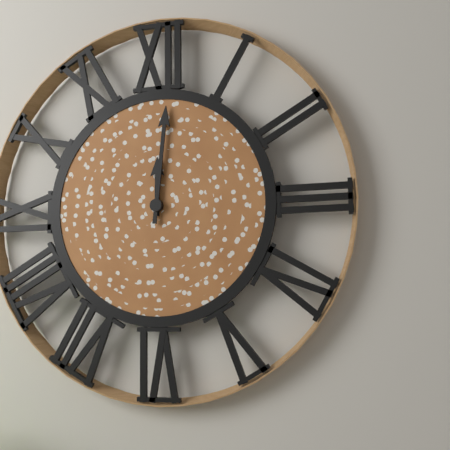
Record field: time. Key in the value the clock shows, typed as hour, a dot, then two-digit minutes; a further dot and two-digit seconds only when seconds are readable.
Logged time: 12.01
